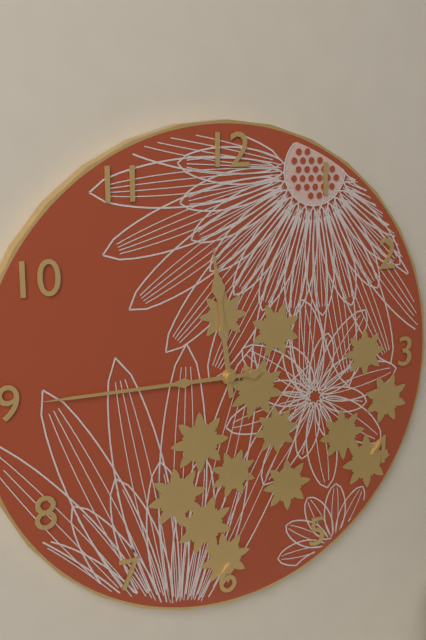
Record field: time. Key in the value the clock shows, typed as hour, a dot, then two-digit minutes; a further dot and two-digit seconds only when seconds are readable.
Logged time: 11.45
